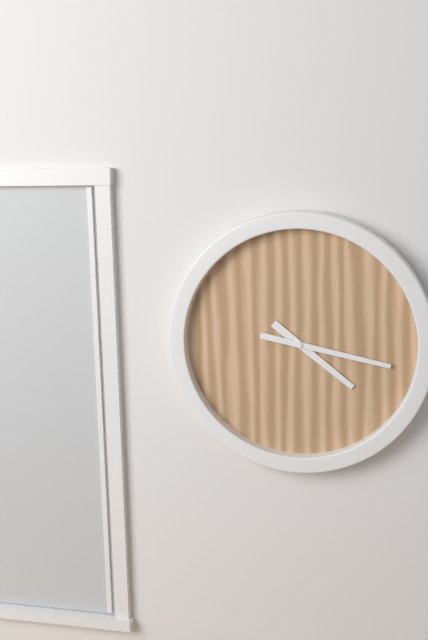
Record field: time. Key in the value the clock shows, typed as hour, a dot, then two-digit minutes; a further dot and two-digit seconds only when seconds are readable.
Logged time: 4.17
